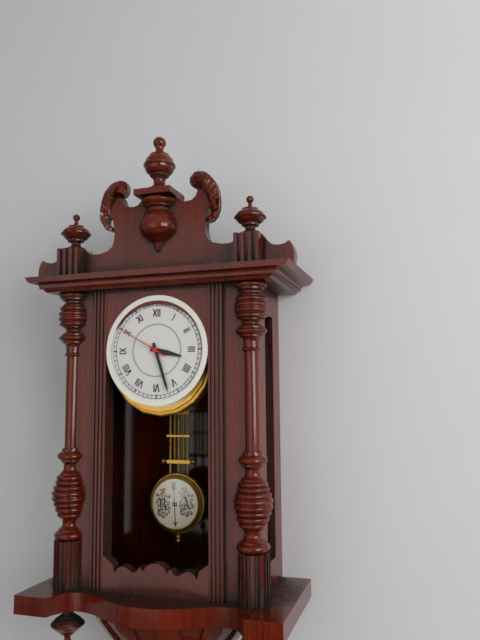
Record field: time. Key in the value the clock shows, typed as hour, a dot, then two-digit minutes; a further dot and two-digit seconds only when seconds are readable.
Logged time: 3.27.50
